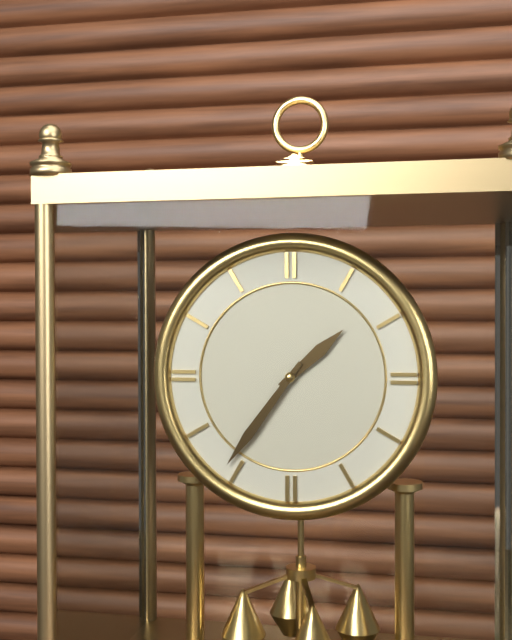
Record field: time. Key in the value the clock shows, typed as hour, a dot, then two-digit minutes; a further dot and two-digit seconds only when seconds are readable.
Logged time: 1.36
